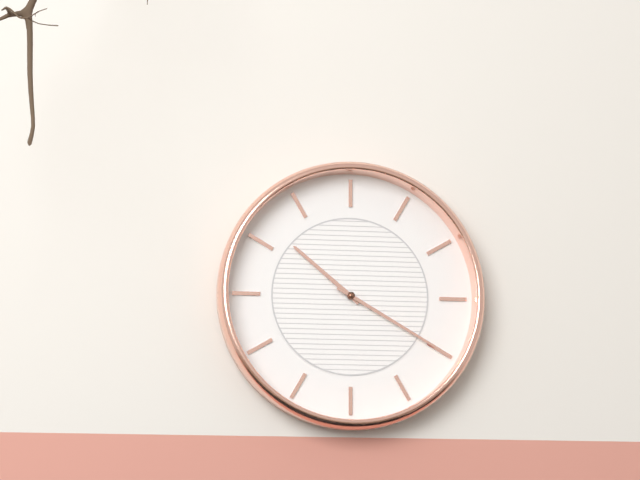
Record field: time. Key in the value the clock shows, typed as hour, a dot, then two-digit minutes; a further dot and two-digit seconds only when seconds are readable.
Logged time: 10.20
